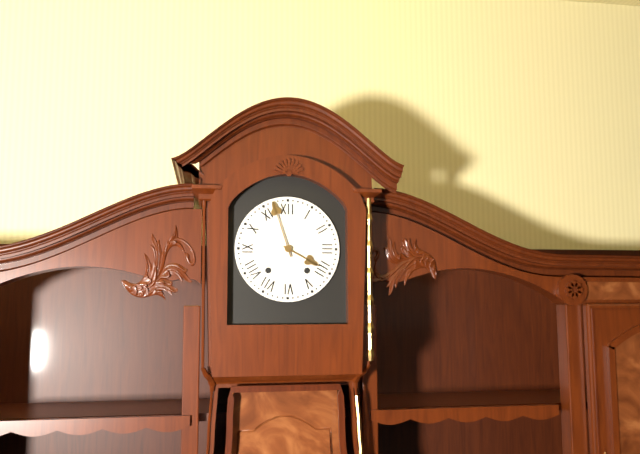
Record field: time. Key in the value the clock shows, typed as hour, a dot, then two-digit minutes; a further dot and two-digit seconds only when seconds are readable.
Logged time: 3.57
